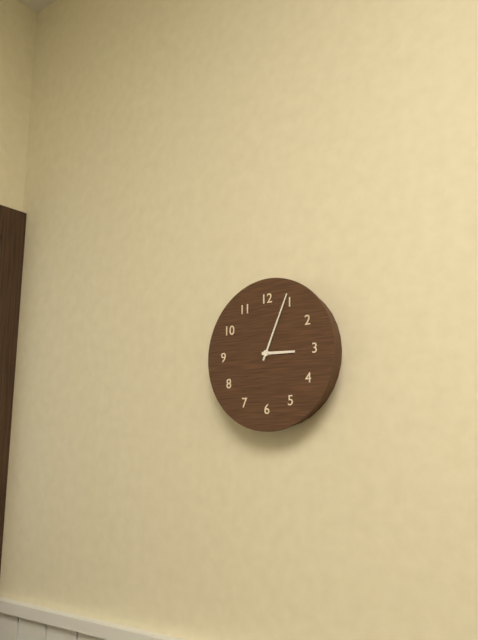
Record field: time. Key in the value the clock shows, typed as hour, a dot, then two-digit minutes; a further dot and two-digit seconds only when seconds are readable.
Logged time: 3.04
